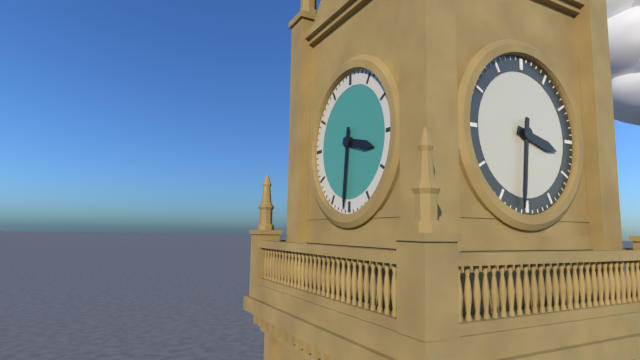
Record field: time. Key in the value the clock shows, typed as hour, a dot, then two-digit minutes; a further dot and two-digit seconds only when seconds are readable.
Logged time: 3.31
